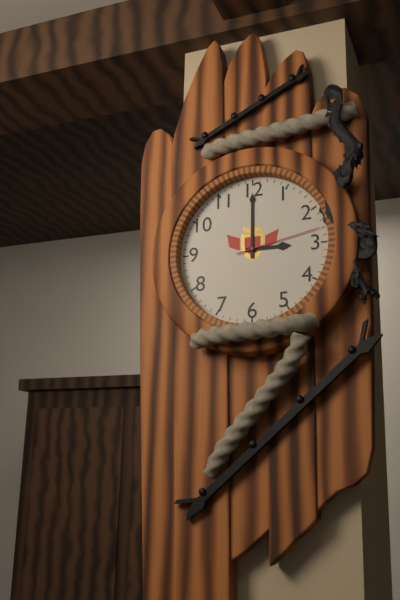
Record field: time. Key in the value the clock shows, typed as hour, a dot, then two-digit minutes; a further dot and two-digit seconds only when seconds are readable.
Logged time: 3.00.13
